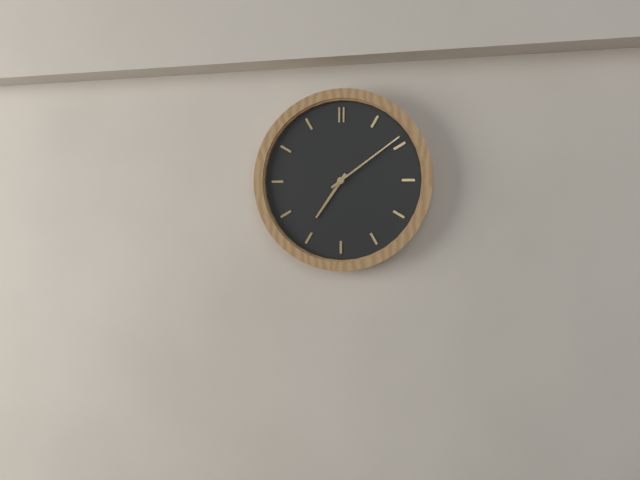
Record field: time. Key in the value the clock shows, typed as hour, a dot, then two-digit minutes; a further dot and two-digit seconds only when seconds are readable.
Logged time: 7.09
